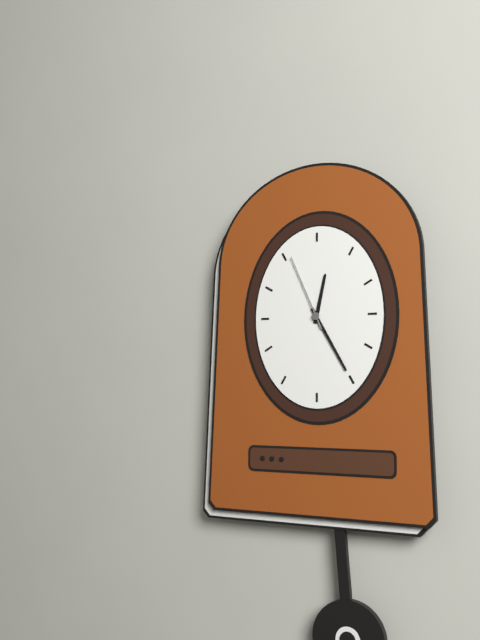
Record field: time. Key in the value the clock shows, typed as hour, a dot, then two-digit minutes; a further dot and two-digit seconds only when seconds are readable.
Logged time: 12.25.56
